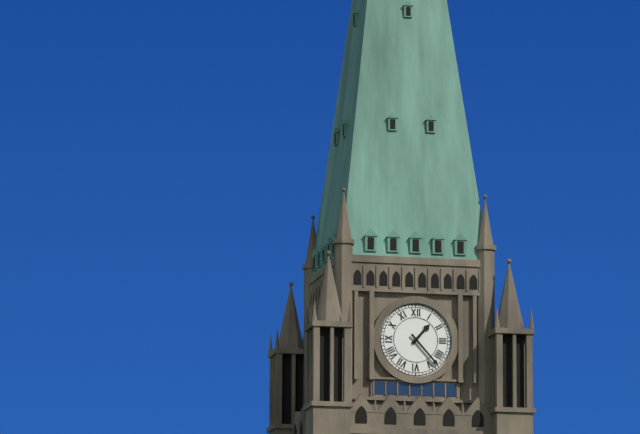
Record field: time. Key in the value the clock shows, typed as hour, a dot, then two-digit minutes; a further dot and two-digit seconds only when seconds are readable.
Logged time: 1.23
